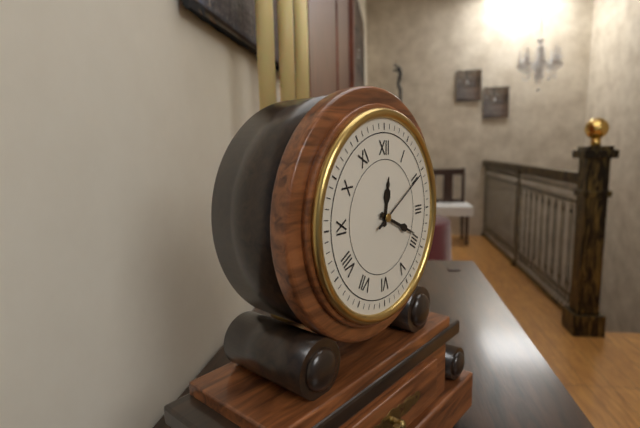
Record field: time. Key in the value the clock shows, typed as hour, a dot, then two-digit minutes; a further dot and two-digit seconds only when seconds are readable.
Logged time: 12.19.10
